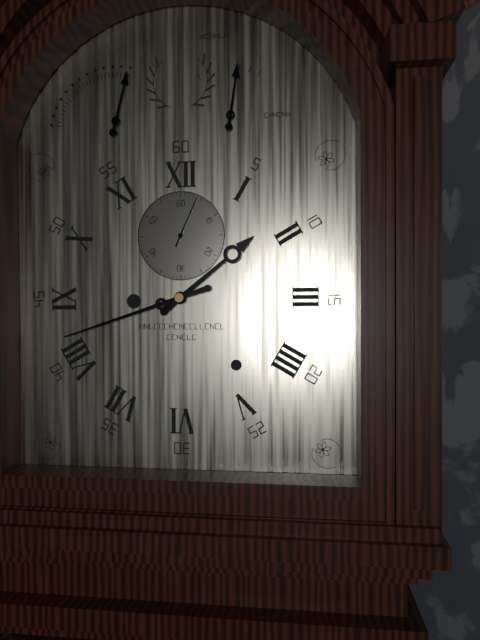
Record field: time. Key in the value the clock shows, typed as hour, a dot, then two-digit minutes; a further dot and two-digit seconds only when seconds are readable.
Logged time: 1.42.04
